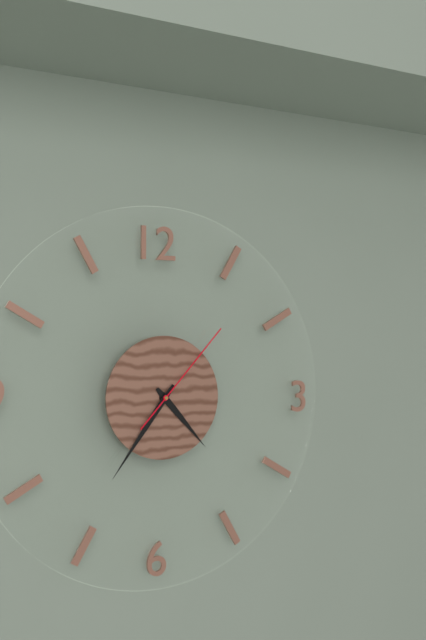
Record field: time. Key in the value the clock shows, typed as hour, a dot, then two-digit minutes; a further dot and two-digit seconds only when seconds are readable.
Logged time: 4.36.07
